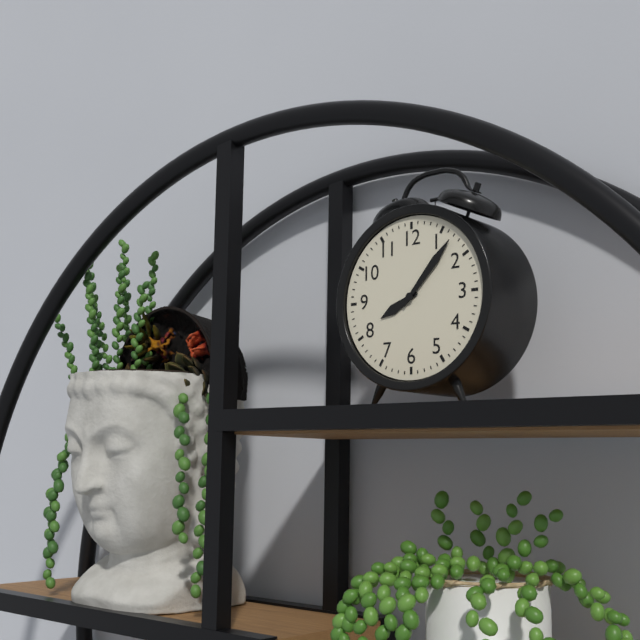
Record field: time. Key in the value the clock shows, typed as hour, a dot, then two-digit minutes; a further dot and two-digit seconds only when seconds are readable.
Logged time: 8.07
